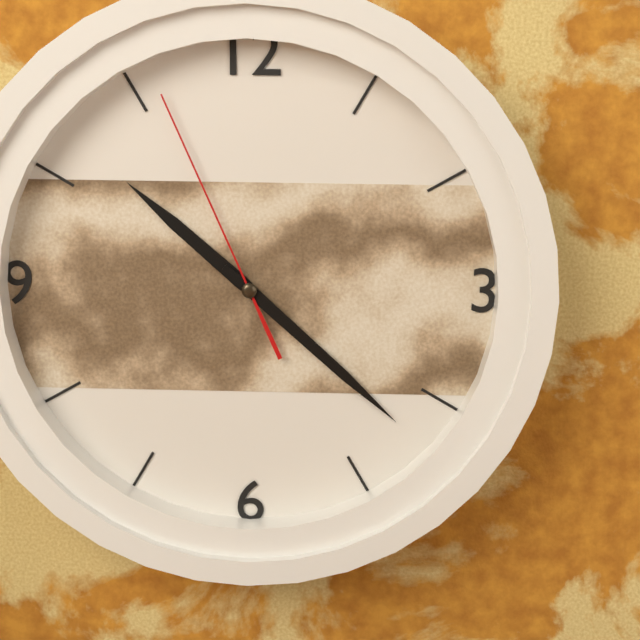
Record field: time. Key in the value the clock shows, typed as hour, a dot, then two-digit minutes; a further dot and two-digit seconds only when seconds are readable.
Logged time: 10.22.56
